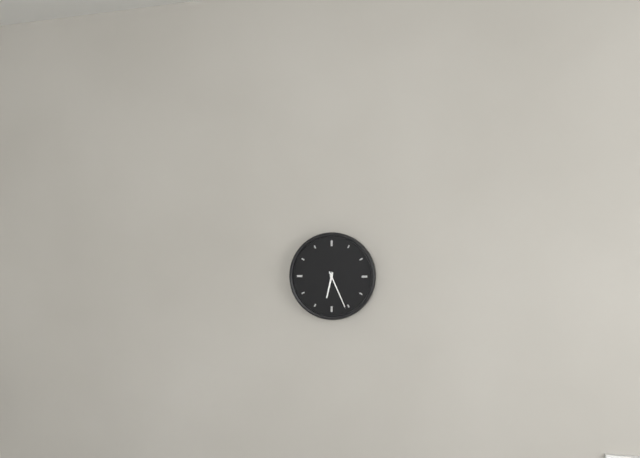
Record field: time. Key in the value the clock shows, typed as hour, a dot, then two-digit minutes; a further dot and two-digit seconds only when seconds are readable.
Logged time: 6.26
